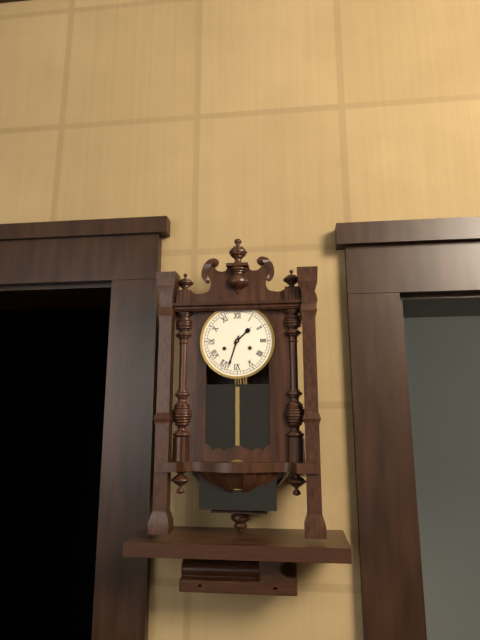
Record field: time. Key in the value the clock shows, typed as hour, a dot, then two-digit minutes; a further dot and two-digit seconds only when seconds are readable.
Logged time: 1.33
